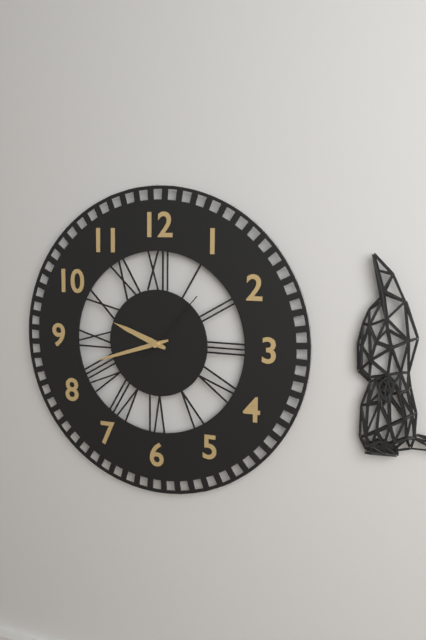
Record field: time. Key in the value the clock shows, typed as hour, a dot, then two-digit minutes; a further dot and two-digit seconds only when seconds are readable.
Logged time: 9.42.07
